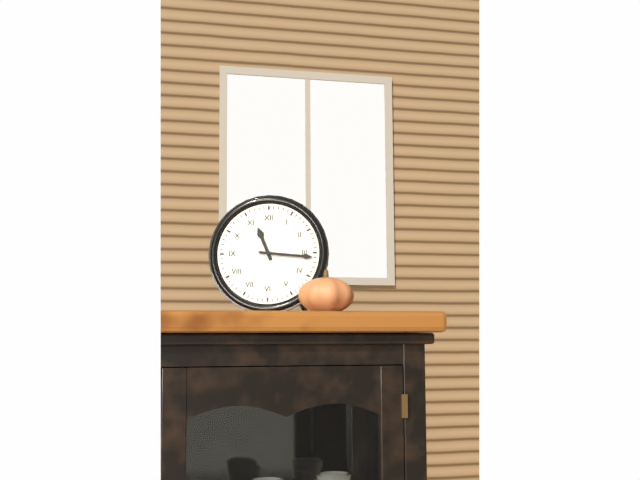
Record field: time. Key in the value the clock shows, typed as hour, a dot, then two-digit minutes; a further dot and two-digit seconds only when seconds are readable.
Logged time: 11.16
